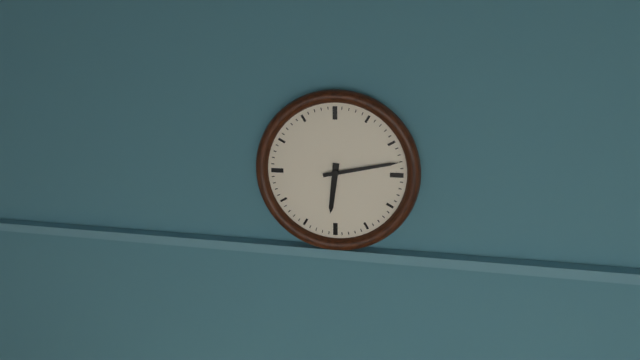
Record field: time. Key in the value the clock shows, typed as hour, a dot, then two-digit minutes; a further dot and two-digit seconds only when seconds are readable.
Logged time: 6.13
